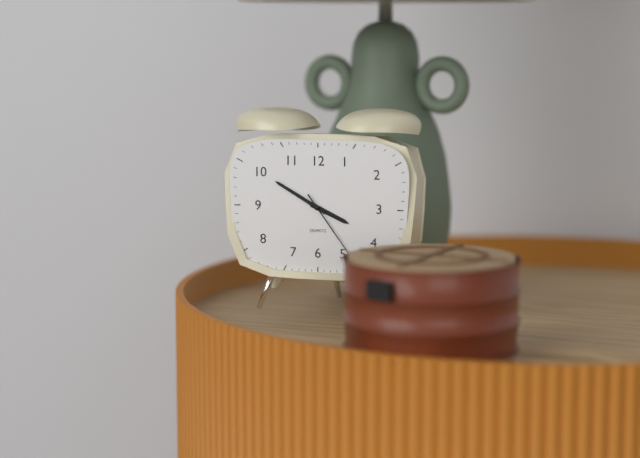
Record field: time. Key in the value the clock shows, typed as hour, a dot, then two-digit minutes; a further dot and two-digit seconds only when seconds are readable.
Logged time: 3.50.24
